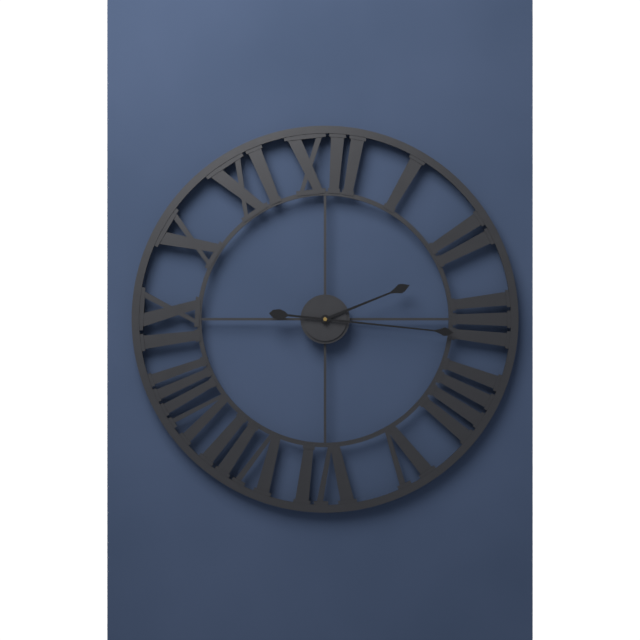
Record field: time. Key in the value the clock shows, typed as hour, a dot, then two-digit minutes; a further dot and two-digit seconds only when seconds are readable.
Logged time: 2.16
